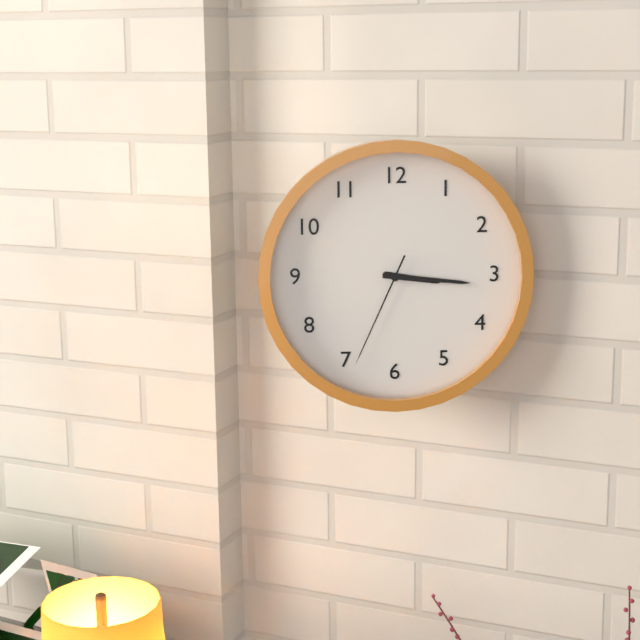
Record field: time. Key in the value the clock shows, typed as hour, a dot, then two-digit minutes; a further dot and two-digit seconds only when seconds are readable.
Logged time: 3.16.34
